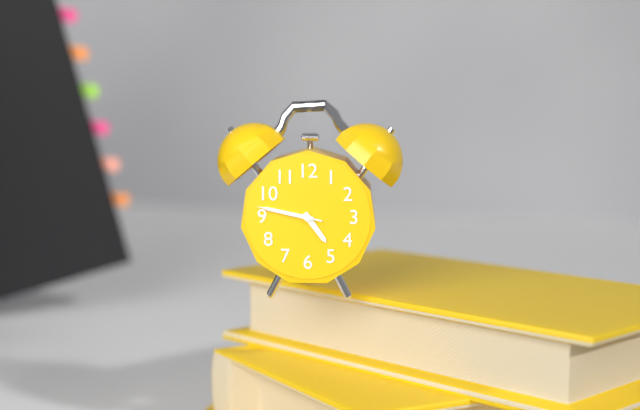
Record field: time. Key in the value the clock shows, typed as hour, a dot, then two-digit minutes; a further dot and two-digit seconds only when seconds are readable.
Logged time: 4.47.47
